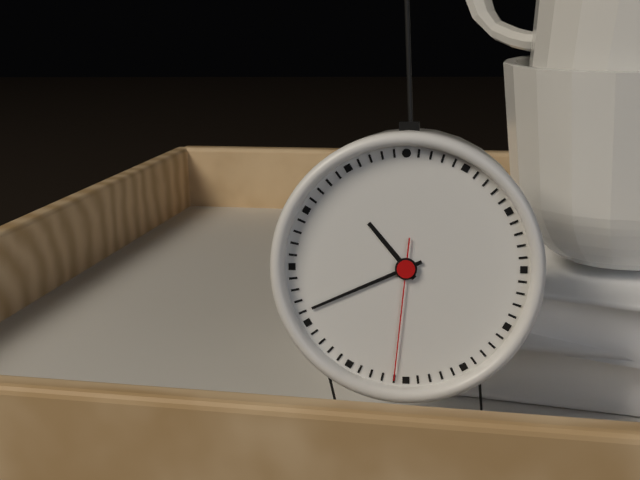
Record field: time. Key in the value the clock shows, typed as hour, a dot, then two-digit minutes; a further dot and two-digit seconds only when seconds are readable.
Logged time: 10.41.31
